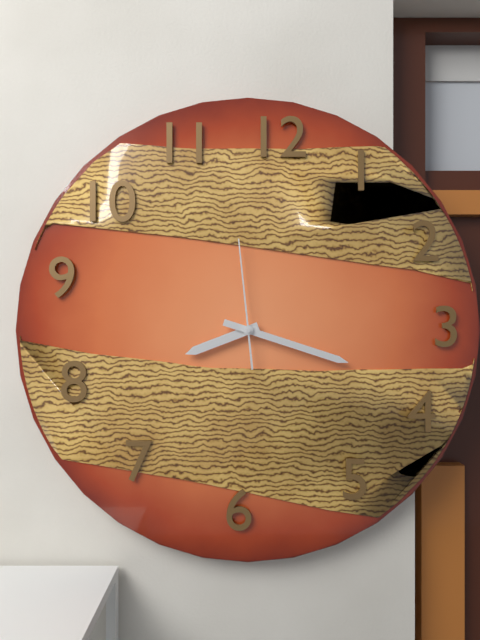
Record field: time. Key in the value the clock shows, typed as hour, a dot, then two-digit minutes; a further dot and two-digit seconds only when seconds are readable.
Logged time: 8.18.59
